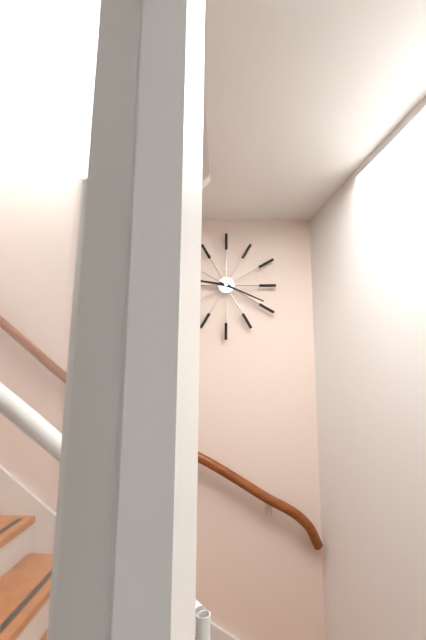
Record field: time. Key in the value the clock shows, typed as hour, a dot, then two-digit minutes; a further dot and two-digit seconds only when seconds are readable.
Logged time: 9.19
